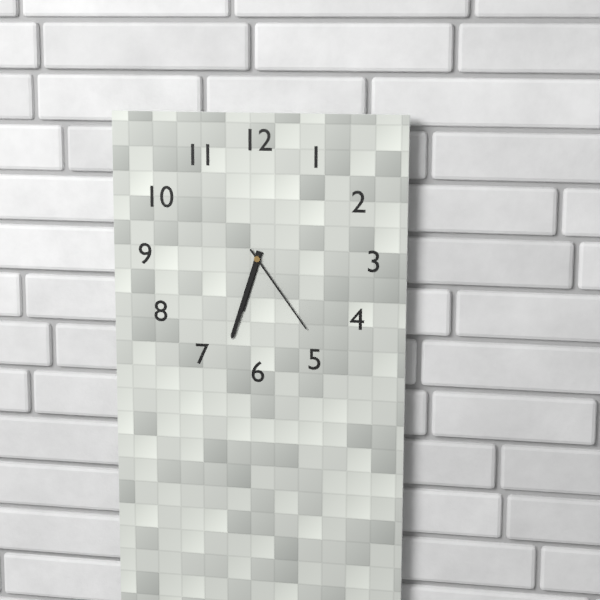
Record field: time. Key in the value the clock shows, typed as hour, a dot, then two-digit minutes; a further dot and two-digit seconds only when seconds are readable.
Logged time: 6.33.24
